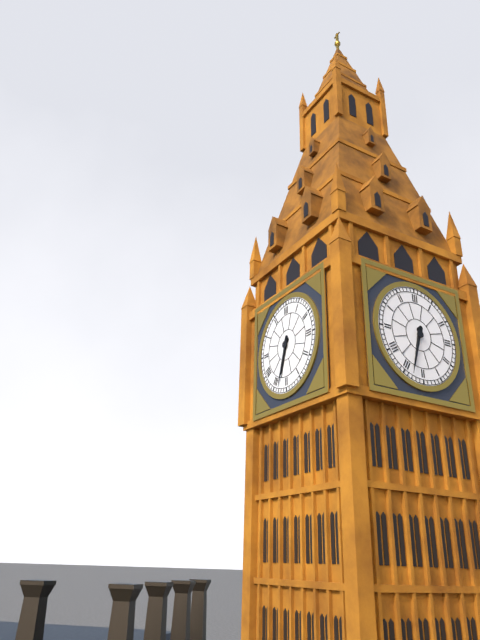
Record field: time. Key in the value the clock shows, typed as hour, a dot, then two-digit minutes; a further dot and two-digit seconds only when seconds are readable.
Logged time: 6.33
